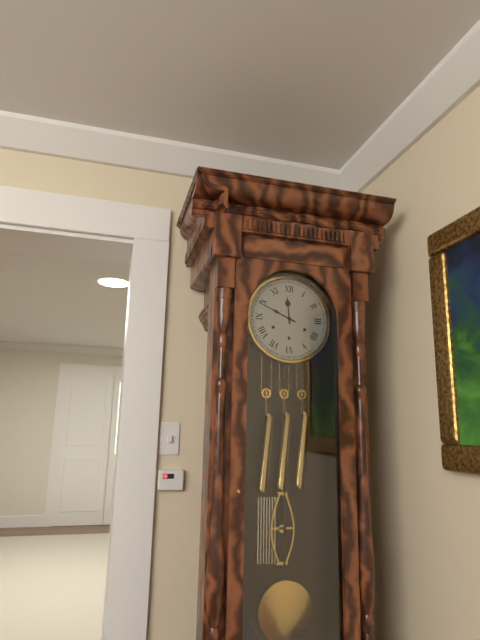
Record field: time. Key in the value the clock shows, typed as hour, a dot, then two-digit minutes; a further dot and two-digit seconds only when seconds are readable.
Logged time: 11.49
